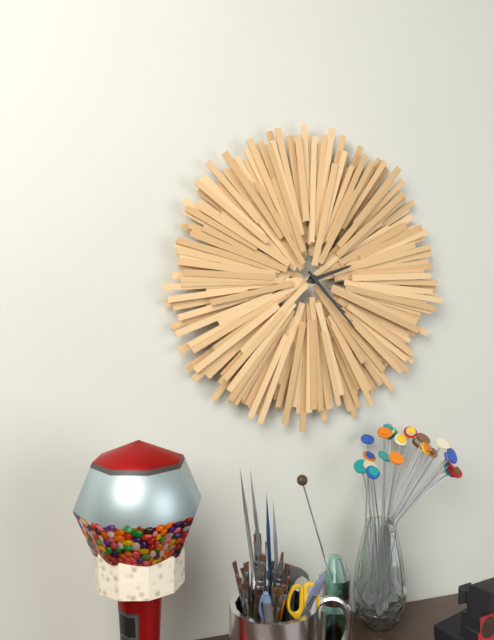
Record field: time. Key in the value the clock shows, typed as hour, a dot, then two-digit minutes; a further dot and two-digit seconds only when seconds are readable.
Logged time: 2.23
